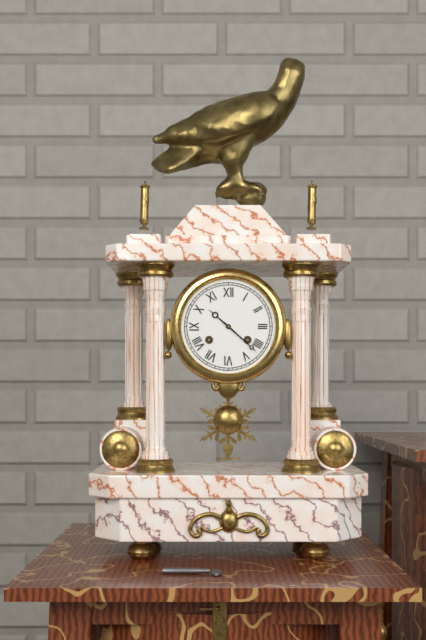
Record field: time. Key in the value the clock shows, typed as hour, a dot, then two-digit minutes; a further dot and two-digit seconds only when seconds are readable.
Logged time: 10.22
